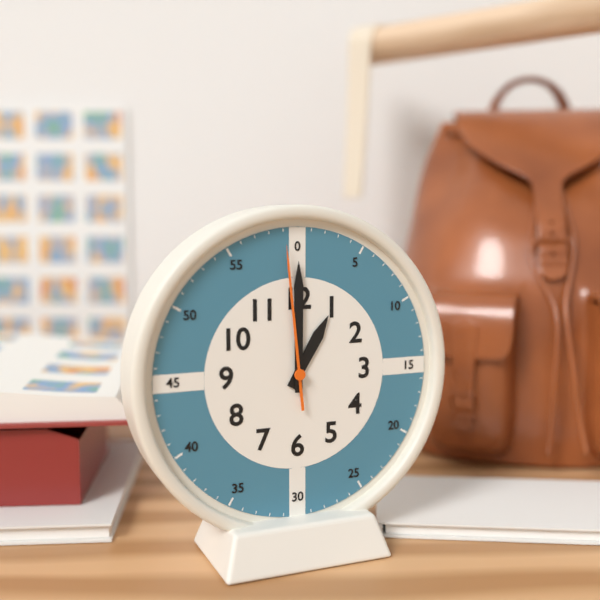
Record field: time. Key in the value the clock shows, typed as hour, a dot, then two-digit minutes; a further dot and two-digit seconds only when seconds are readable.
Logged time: 1.00.59
